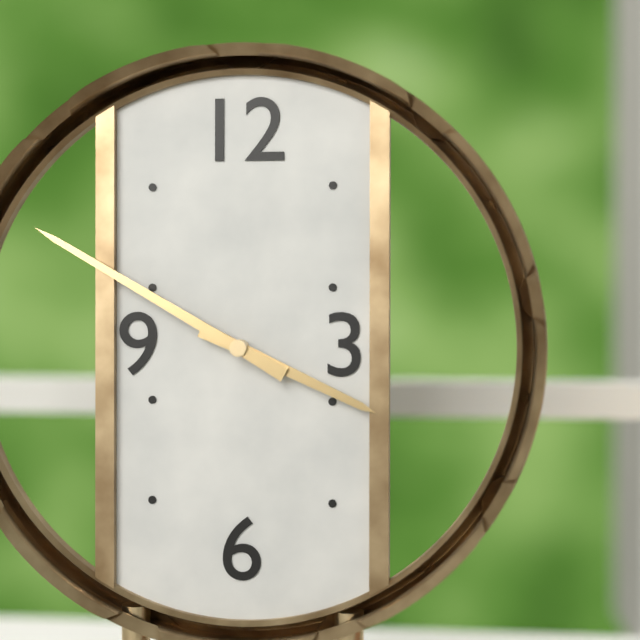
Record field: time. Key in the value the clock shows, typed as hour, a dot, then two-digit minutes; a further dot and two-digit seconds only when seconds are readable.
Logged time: 3.50
